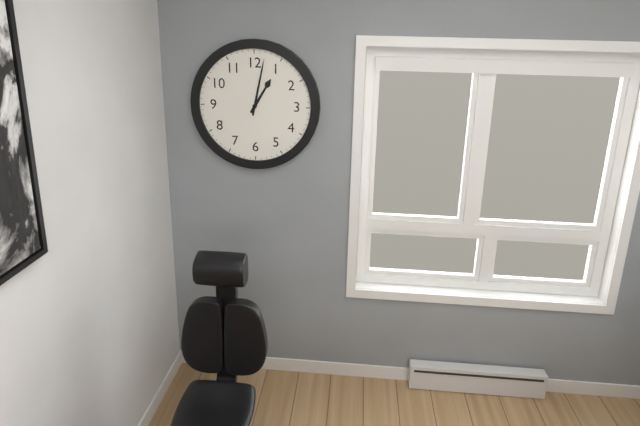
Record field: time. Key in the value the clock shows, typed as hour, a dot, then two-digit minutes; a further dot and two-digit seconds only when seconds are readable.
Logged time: 1.02
